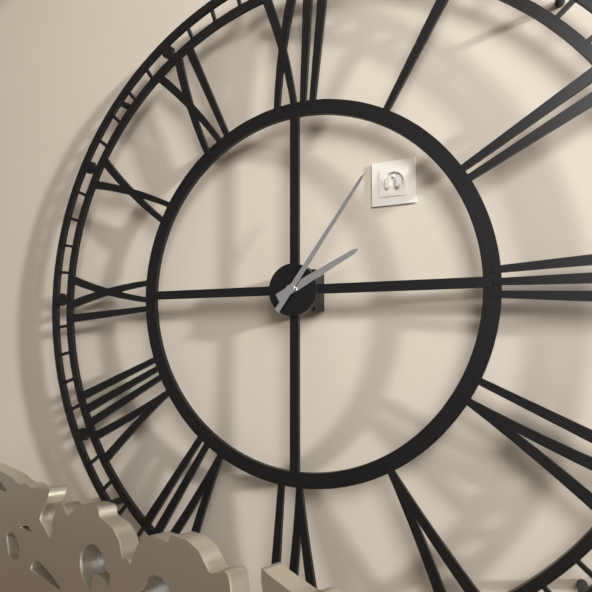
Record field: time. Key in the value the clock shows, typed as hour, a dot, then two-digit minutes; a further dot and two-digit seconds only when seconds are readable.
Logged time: 2.06
